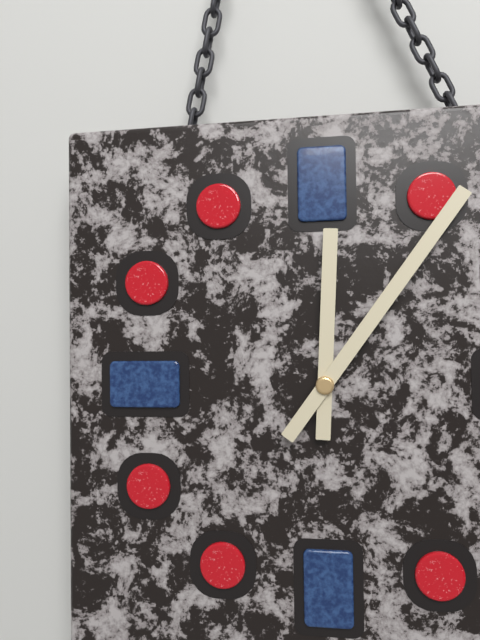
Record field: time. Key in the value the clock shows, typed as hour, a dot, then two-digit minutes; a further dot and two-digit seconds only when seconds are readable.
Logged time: 12.06
